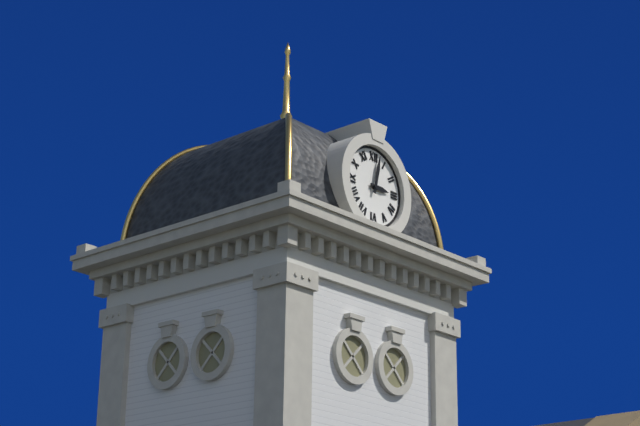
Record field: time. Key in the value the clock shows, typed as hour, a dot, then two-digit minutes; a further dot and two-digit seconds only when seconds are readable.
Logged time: 3.02
